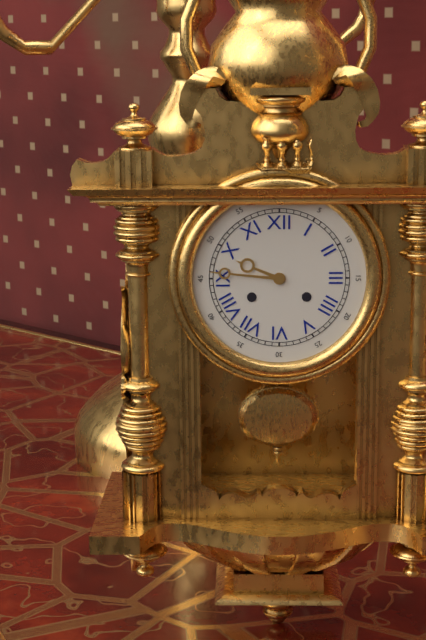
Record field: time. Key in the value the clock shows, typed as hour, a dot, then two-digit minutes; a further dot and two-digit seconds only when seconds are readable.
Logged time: 9.46
